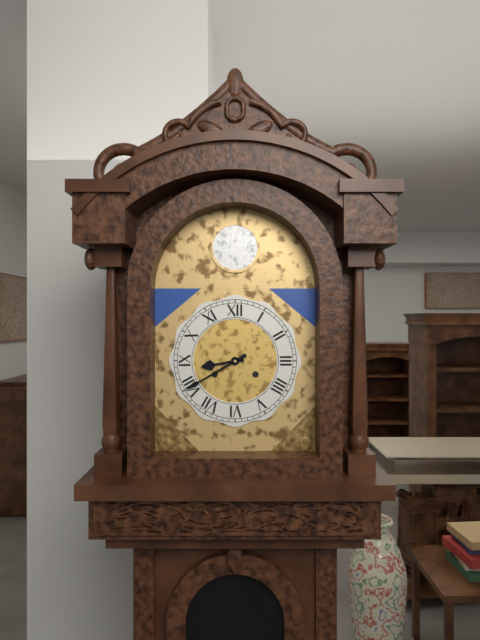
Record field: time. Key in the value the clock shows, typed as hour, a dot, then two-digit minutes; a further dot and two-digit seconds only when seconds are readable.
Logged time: 8.40
